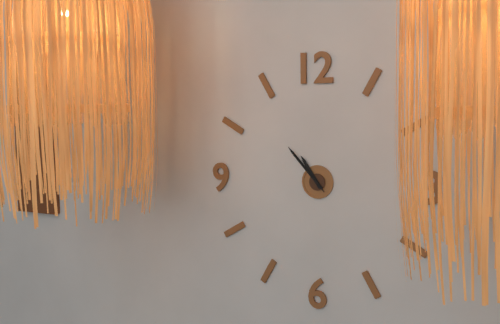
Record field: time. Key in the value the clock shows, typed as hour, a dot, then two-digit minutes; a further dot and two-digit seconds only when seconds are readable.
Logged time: 10.53.53
